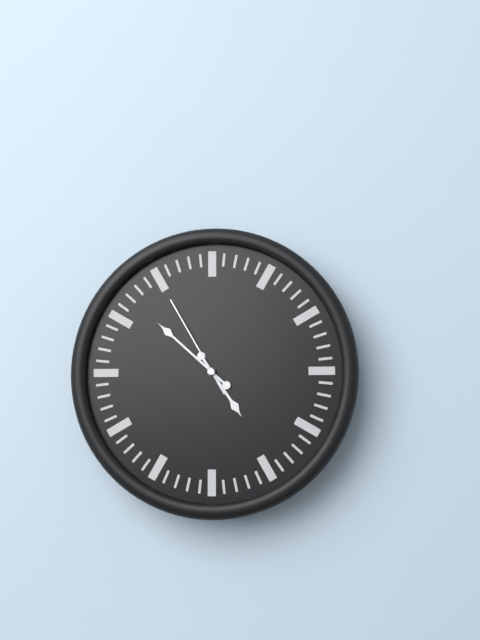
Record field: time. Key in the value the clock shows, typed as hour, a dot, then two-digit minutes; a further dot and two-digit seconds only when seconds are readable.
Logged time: 4.52.55
